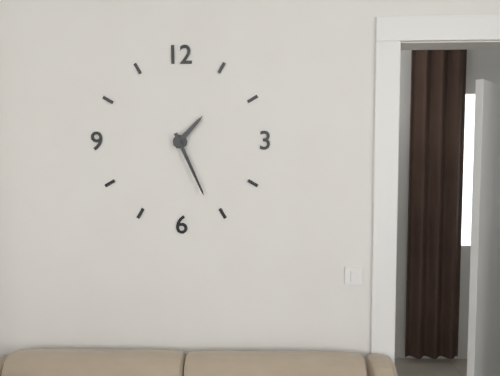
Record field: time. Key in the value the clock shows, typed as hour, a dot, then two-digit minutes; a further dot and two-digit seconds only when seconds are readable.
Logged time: 1.26
